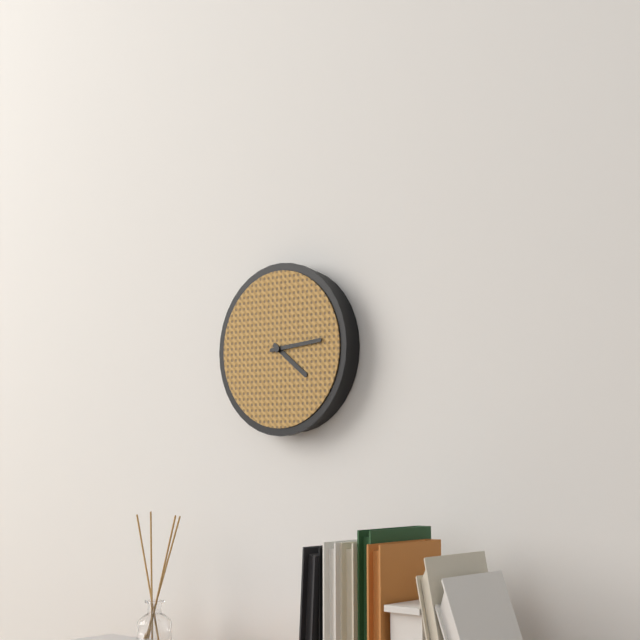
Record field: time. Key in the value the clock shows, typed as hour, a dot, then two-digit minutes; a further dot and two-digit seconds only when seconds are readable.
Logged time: 4.14
